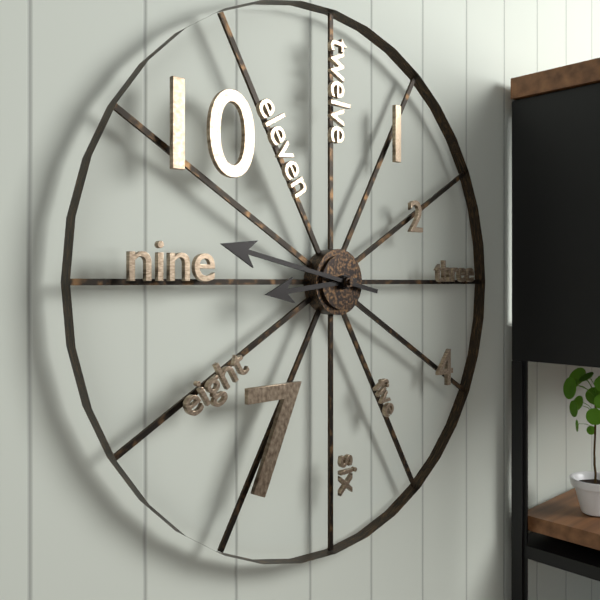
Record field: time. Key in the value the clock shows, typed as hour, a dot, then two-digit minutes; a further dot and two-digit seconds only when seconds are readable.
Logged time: 8.47
